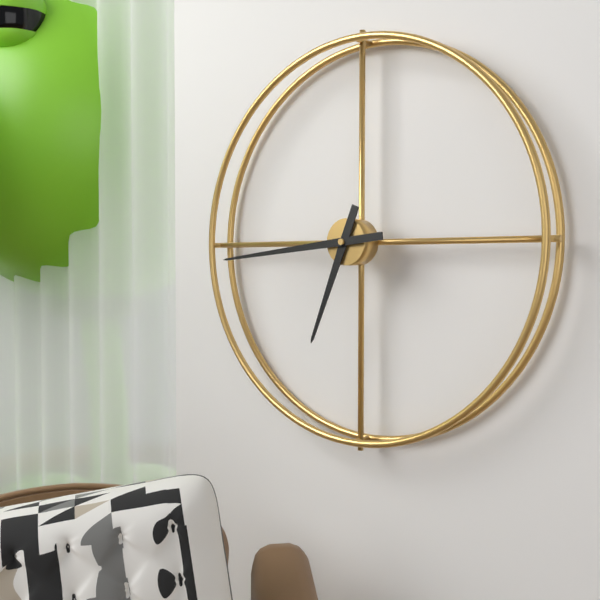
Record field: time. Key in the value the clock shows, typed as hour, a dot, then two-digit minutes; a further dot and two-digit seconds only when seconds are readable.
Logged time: 6.44
